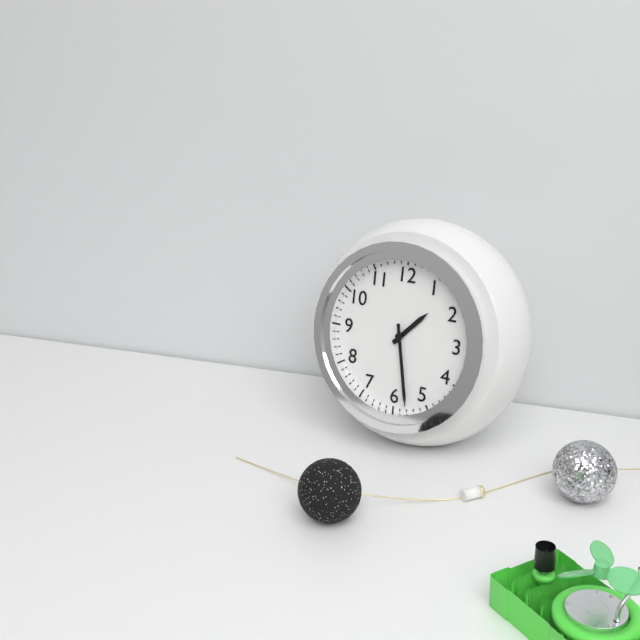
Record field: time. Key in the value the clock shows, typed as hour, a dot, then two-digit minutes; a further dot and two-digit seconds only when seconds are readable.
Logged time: 1.28
